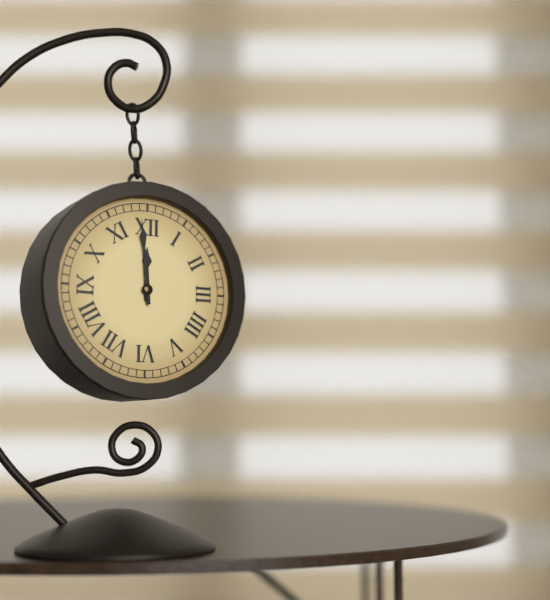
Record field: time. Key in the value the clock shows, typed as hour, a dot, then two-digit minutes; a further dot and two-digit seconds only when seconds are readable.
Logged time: 11.59
